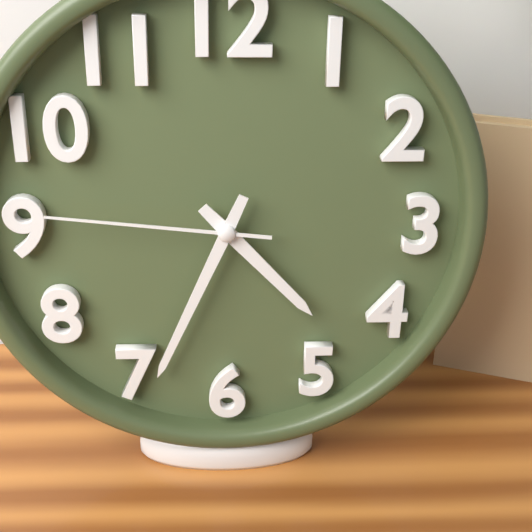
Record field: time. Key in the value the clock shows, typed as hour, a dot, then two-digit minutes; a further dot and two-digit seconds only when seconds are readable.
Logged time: 4.34.46
